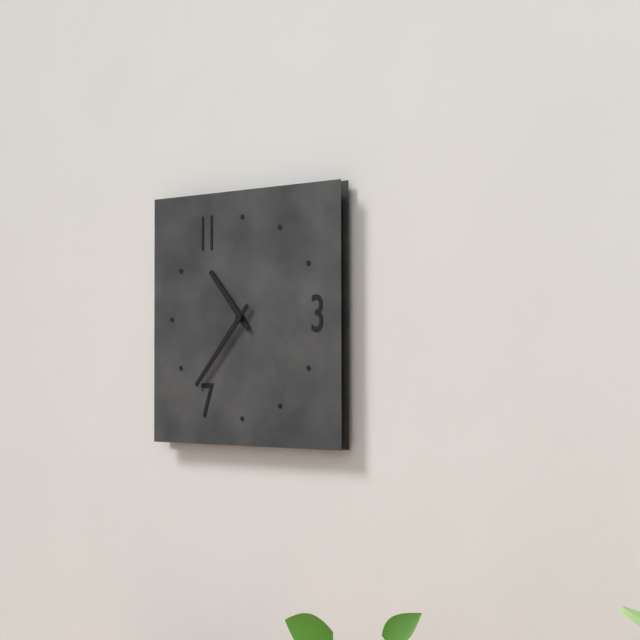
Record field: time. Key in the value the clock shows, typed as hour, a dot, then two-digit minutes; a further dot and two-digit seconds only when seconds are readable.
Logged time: 10.37
